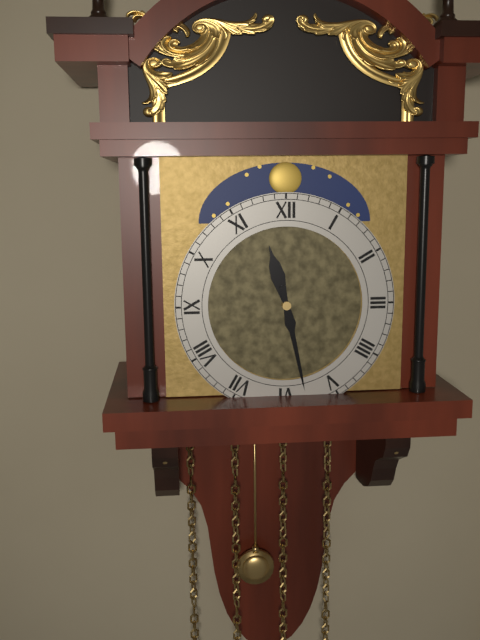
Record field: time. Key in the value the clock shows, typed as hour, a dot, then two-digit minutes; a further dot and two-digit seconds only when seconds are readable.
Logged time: 11.28
